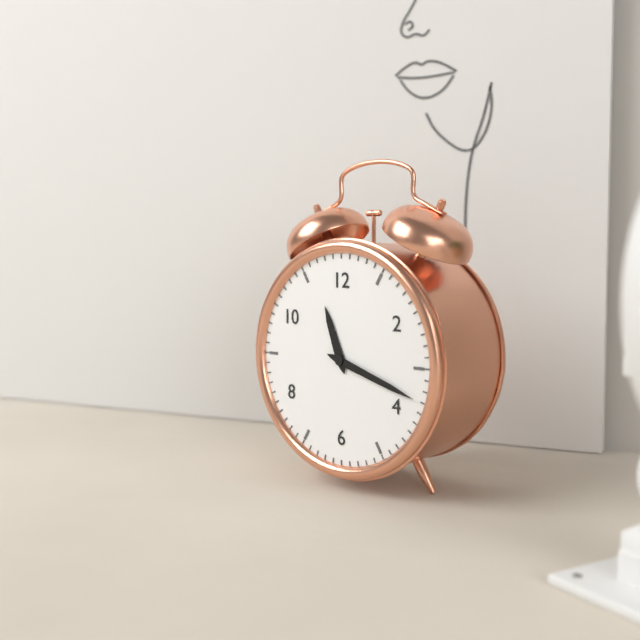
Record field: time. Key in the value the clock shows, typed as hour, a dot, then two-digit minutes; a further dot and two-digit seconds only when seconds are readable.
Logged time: 11.18
